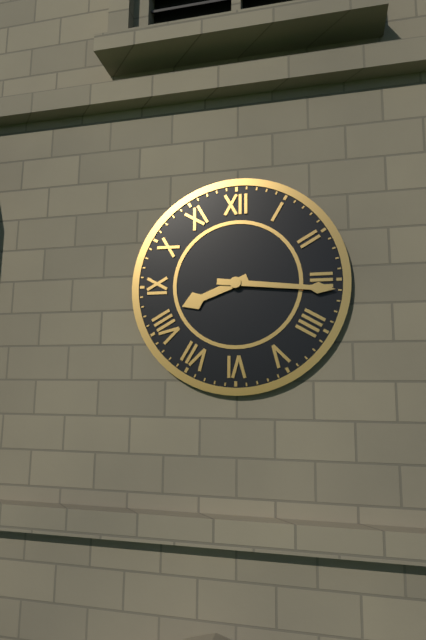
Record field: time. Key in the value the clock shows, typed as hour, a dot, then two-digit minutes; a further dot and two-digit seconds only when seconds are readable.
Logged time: 8.16
